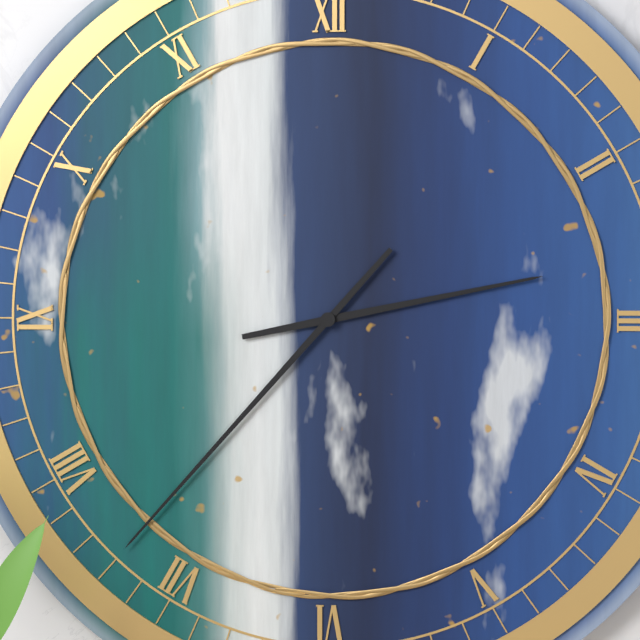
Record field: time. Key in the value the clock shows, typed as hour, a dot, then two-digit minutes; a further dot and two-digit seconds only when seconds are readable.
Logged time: 2.37
